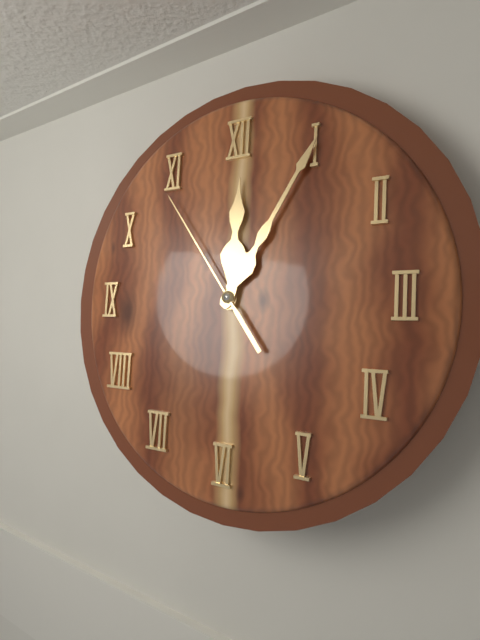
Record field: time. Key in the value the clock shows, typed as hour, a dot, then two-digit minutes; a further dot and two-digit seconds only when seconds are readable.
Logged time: 12.05.54
